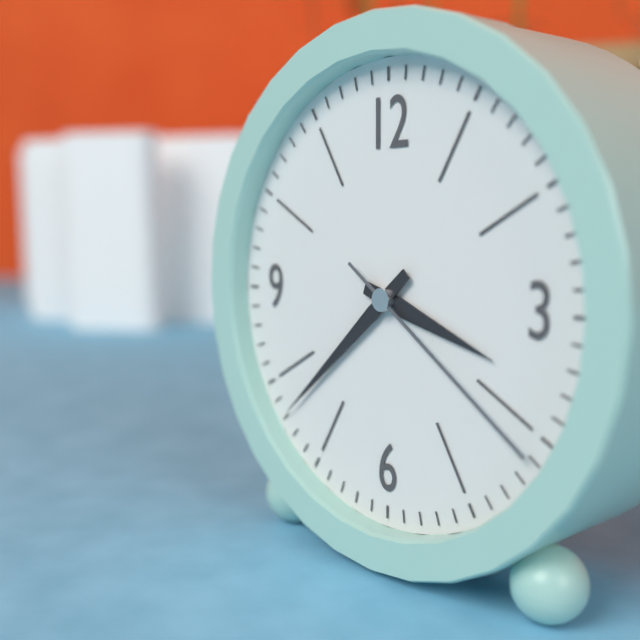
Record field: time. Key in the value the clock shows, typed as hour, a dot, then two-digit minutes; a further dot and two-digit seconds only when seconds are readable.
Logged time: 3.38.21
